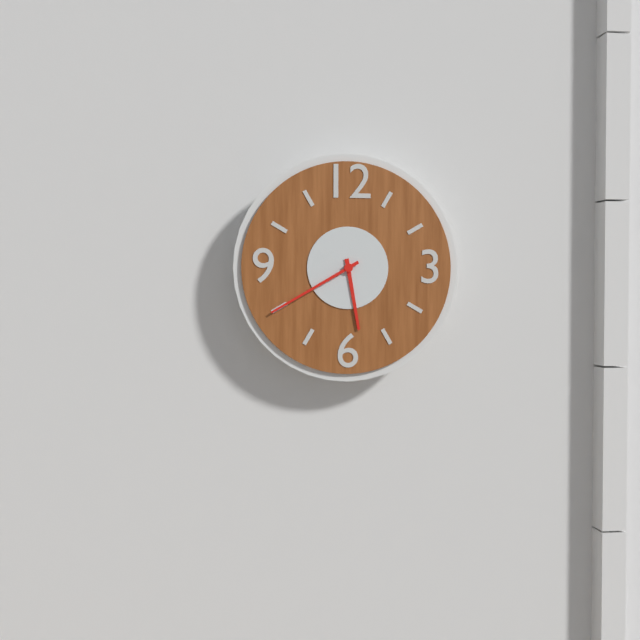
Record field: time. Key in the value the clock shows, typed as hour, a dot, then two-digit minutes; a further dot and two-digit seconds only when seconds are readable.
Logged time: 5.40
